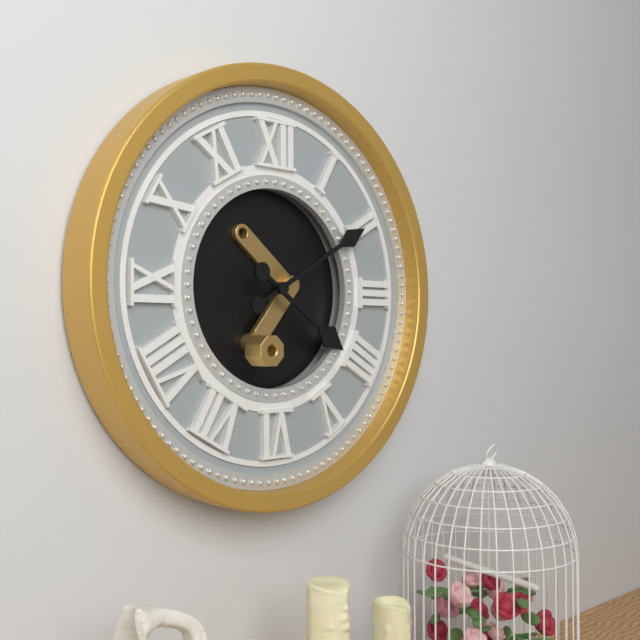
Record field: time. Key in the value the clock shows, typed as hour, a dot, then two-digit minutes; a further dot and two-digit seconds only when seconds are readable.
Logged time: 4.10
